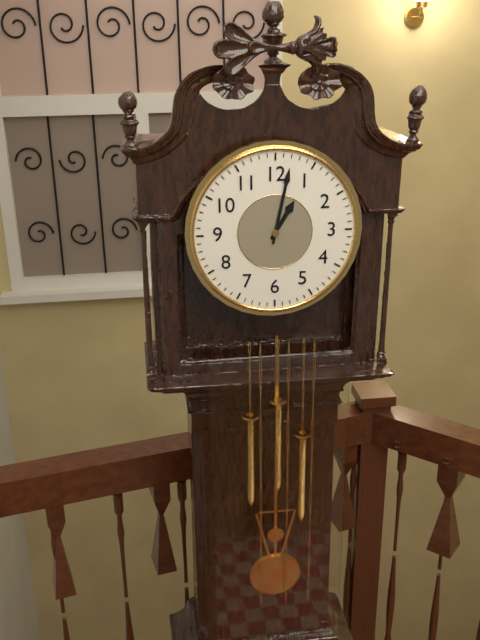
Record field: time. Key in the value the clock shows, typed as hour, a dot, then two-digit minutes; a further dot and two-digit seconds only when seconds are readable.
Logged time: 1.02
